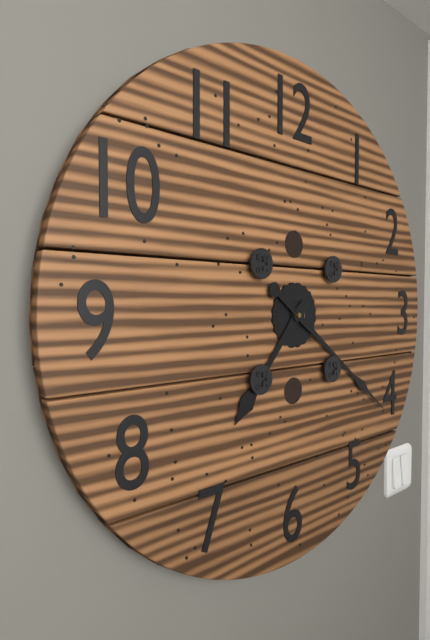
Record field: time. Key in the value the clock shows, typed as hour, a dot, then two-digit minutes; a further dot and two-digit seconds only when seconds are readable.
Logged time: 7.21
